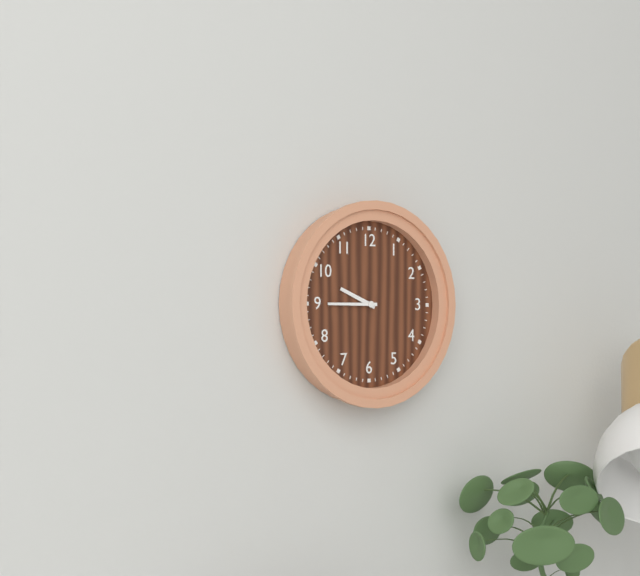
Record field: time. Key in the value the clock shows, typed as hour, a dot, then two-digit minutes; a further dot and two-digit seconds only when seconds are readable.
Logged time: 9.45
